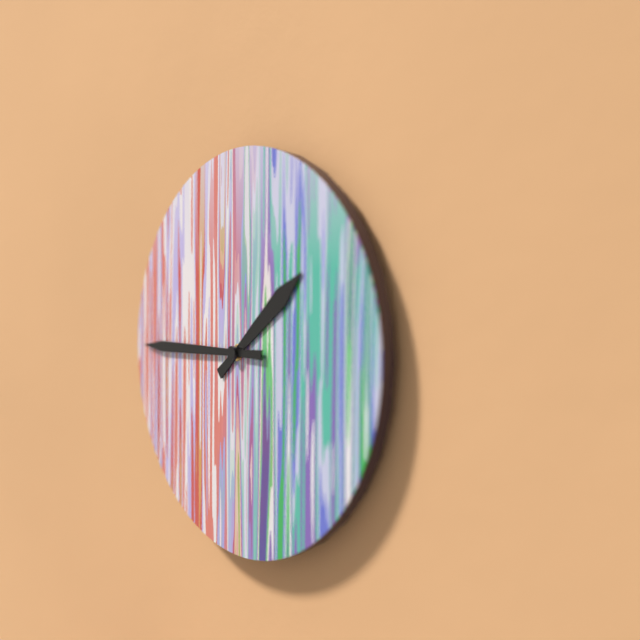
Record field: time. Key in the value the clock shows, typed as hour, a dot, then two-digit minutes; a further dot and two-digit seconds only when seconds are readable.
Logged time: 1.45
